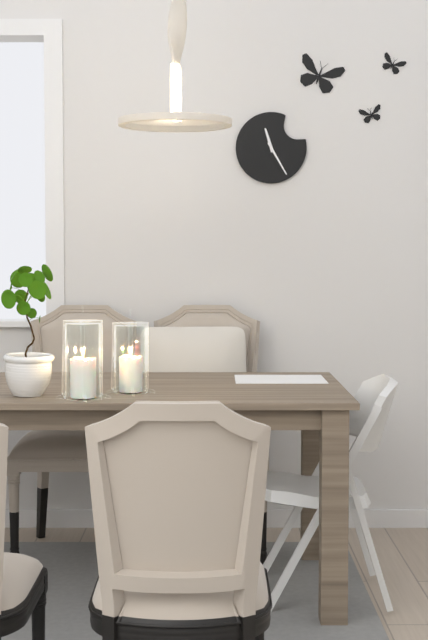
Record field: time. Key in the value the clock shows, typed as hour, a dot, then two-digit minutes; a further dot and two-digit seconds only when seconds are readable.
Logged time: 11.25
